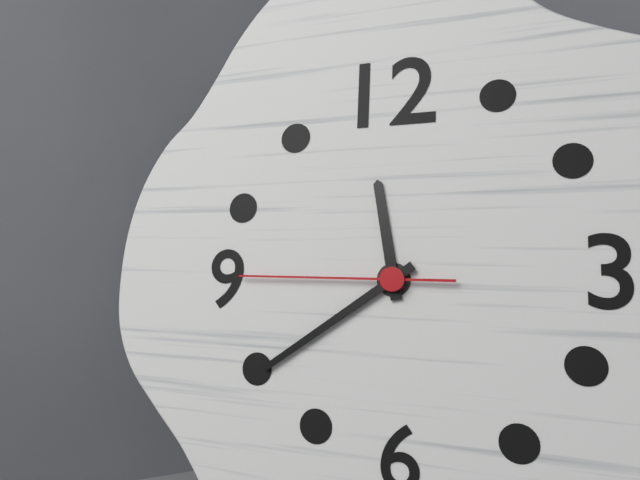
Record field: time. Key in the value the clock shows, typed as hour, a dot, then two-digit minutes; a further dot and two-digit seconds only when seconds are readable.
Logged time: 11.39.45
